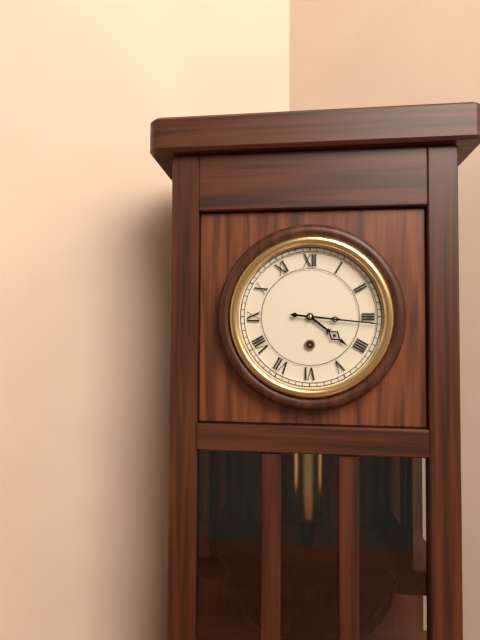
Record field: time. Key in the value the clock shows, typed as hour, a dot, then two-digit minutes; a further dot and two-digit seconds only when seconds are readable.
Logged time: 4.16
